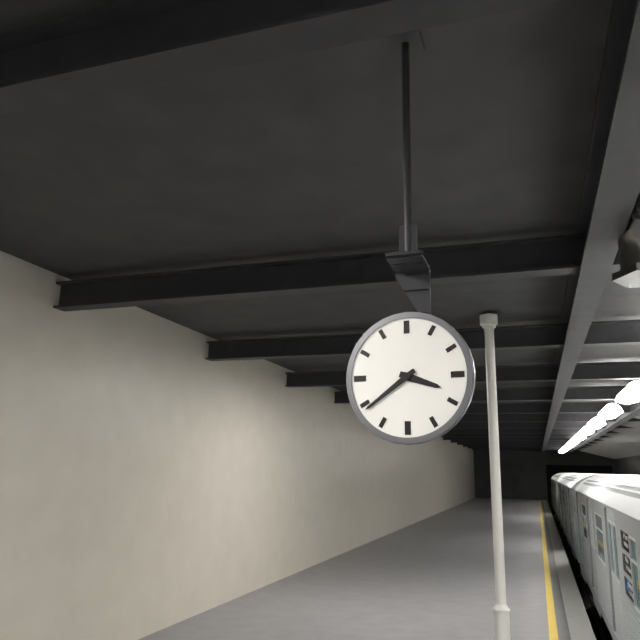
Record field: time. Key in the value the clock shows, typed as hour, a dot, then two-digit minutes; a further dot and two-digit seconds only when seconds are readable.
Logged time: 3.39
